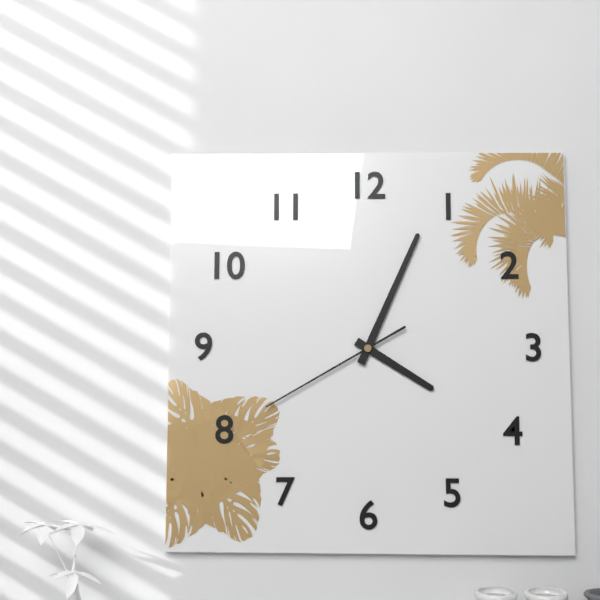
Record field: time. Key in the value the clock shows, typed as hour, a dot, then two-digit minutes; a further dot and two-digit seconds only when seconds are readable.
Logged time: 4.04.40
